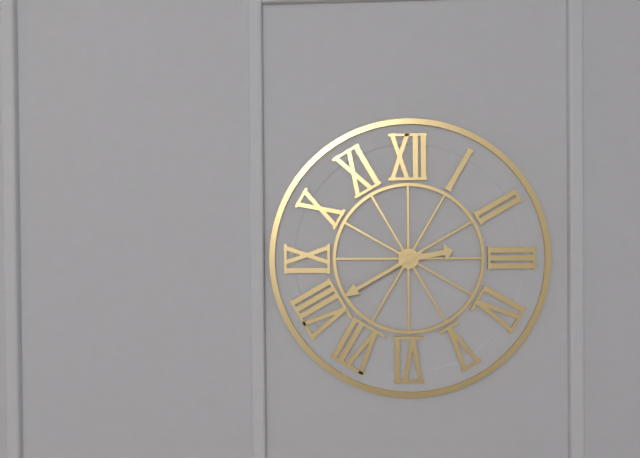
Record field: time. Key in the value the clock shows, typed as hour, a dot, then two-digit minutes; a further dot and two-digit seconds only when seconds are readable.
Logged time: 2.40
